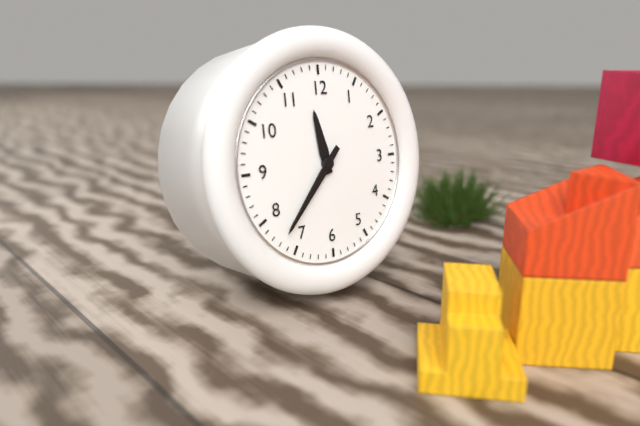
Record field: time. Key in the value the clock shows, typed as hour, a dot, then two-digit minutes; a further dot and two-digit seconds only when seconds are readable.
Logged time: 11.37
